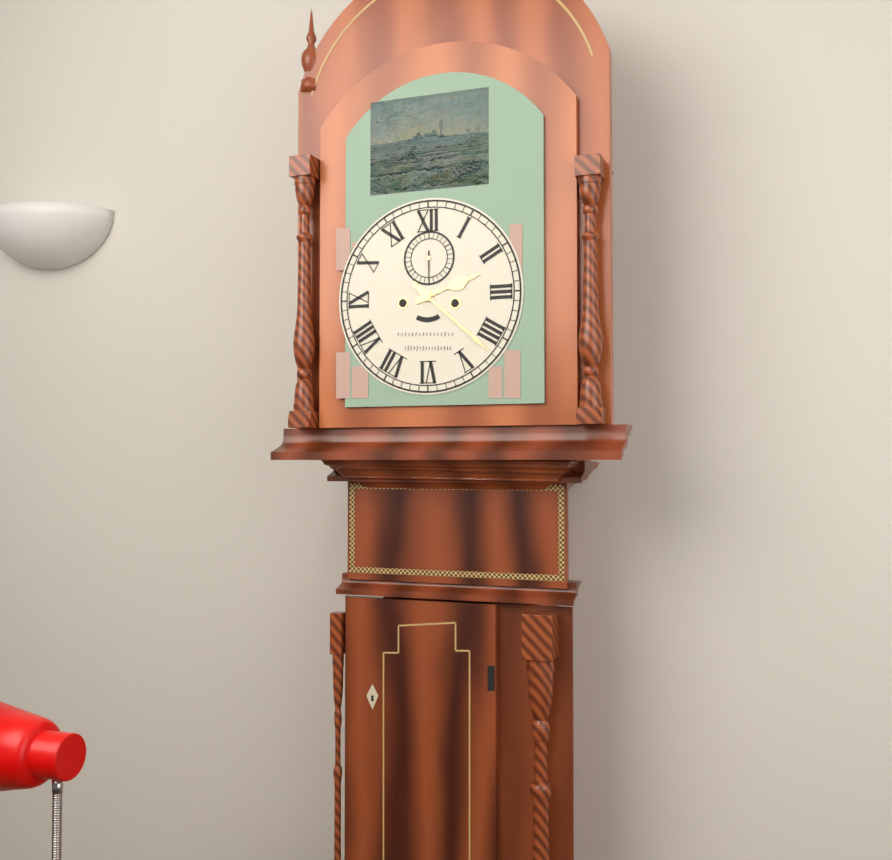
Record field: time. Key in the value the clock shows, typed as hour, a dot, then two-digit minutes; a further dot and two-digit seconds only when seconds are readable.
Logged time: 2.22
